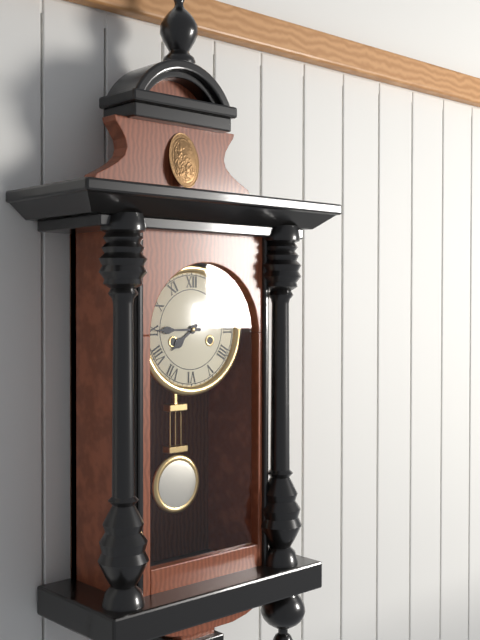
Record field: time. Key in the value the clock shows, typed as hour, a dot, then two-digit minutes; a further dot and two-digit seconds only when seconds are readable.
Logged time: 7.45
